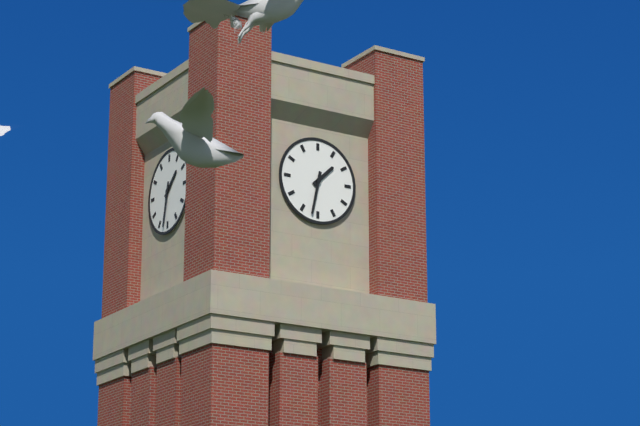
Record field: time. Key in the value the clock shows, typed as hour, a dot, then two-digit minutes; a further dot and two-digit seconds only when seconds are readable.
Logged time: 1.32
